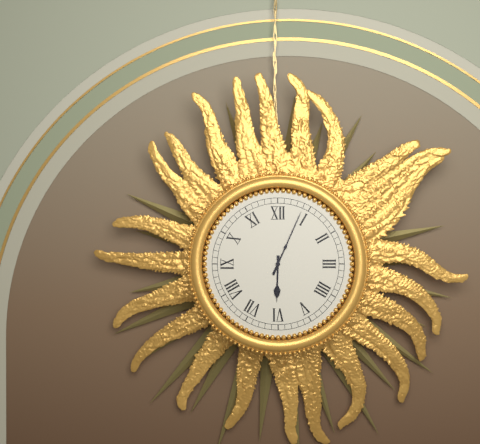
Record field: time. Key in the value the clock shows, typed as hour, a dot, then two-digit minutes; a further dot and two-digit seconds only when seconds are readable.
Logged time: 6.04
